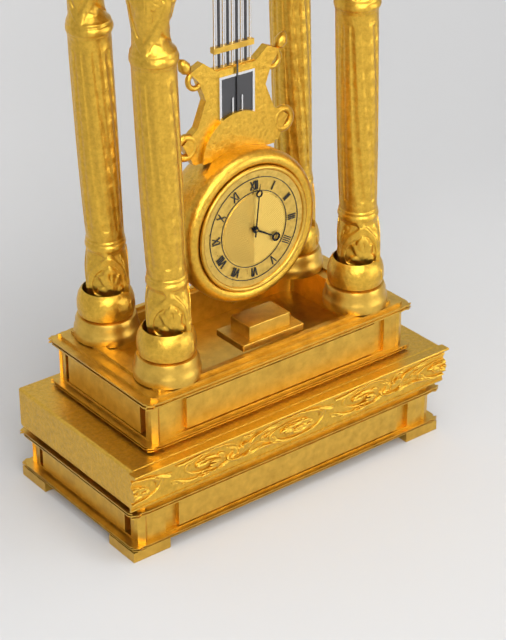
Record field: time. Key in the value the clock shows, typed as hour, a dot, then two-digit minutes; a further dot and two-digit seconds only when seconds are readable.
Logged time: 4.01
